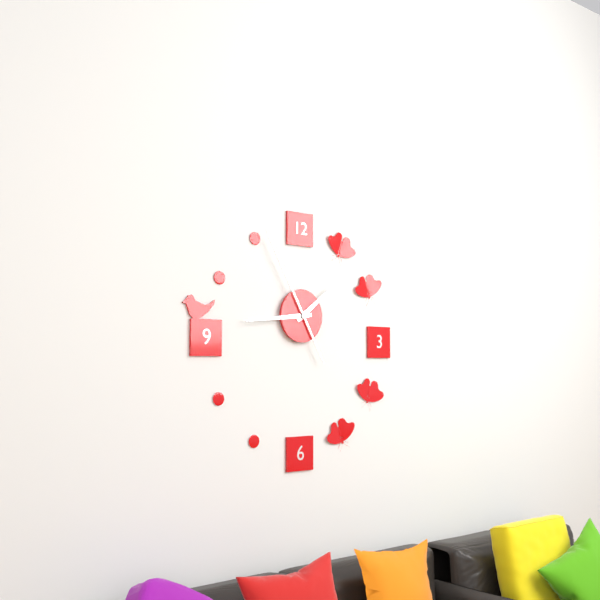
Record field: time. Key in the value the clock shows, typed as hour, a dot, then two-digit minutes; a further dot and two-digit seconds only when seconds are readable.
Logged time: 1.44.55
